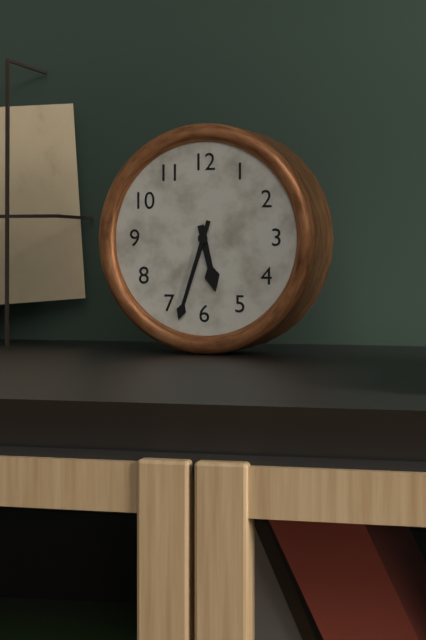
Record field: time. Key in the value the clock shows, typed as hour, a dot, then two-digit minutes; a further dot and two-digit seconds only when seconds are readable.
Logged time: 5.33
